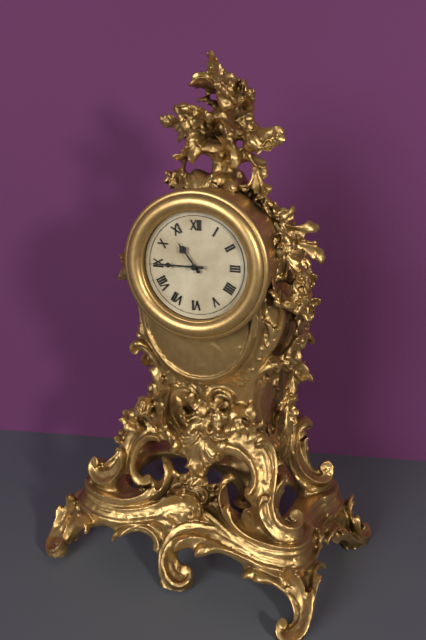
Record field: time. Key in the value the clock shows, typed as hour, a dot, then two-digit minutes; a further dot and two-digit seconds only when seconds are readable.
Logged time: 10.45
